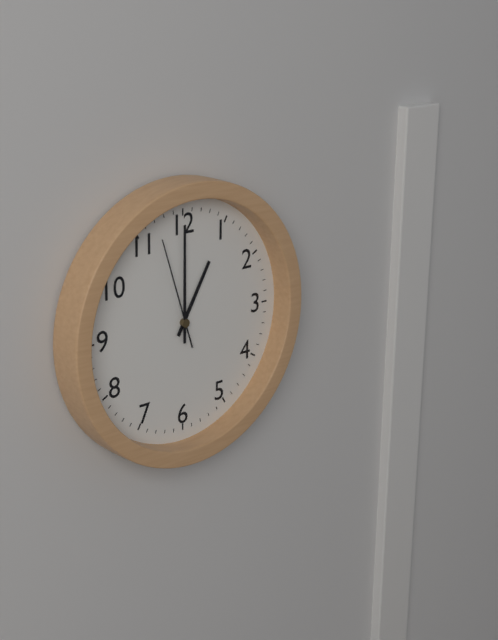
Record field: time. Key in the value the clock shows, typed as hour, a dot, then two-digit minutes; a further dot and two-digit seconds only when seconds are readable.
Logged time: 1.00.57
